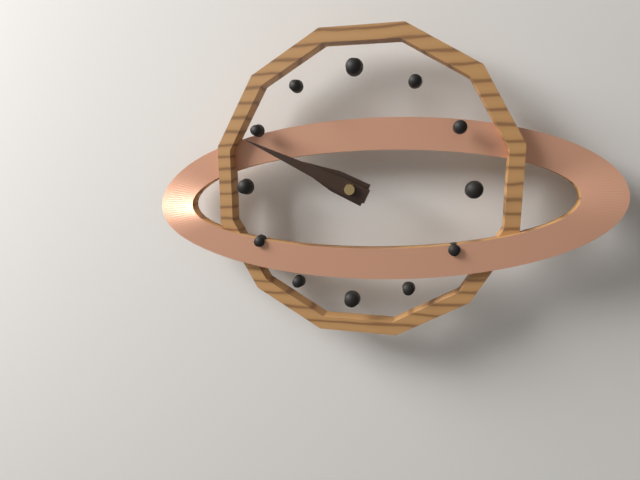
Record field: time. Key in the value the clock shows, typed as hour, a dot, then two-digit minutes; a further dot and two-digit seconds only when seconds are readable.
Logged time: 9.49
